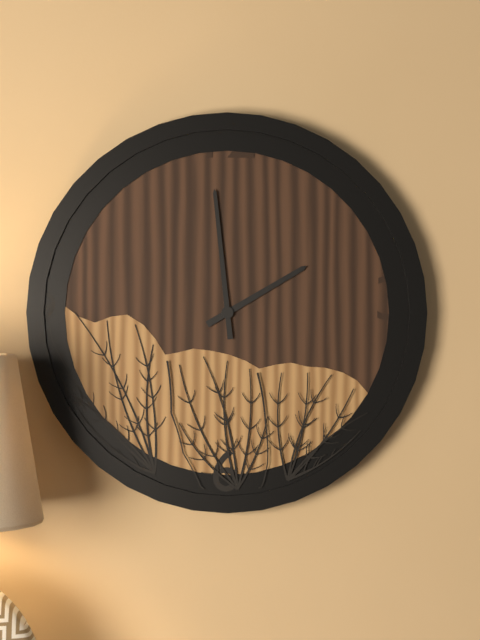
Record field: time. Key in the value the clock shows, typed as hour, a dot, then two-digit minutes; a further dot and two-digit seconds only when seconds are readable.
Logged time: 1.59
